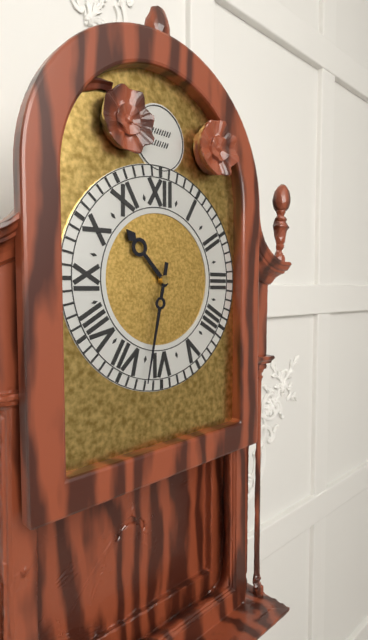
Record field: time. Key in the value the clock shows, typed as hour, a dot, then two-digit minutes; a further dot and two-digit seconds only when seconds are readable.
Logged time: 10.32
